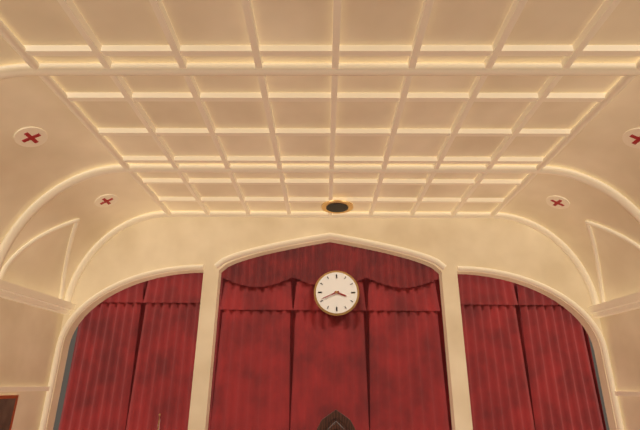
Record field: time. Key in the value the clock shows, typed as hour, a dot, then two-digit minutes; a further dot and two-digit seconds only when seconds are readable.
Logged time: 3.41
